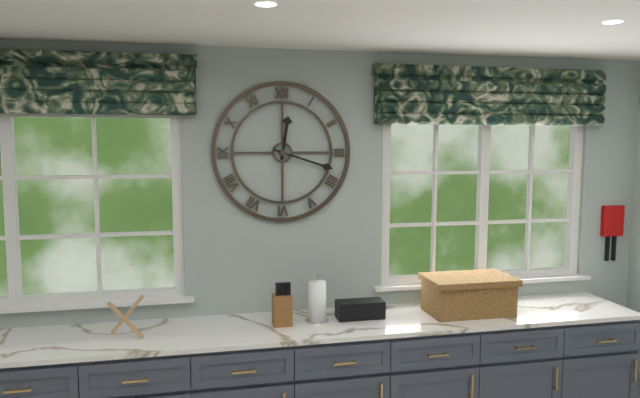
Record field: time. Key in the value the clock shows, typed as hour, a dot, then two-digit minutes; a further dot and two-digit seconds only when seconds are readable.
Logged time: 12.18
